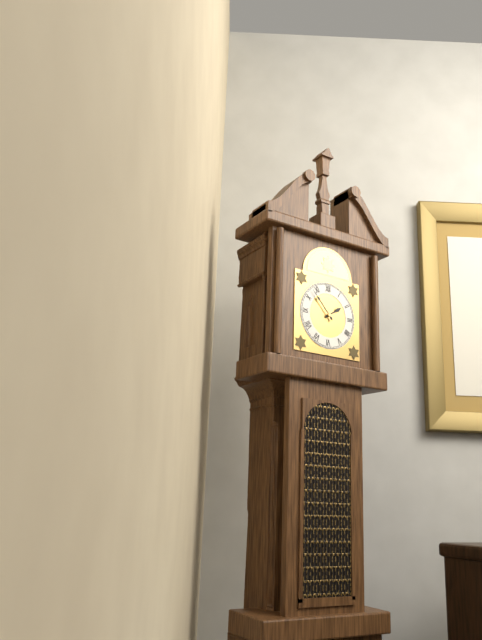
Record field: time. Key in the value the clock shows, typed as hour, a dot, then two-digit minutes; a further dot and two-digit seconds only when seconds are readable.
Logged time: 1.53
